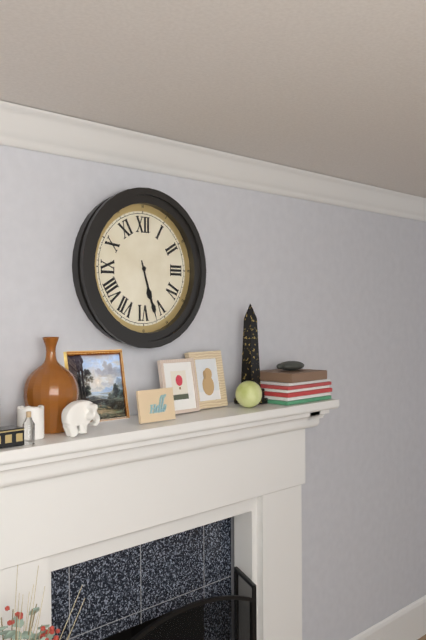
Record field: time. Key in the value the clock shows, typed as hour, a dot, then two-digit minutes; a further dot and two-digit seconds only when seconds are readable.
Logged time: 5.27
